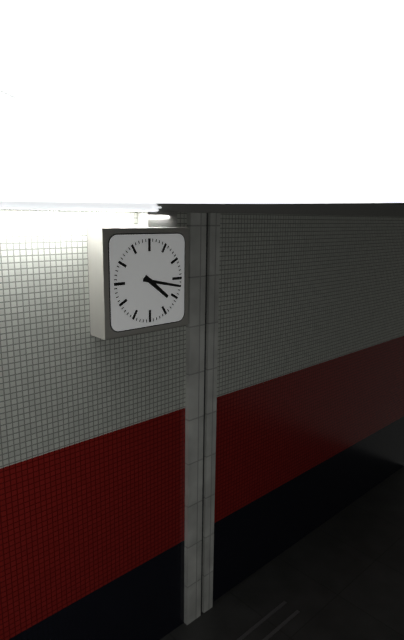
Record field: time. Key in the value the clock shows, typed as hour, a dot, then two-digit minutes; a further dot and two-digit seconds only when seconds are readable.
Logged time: 4.17
